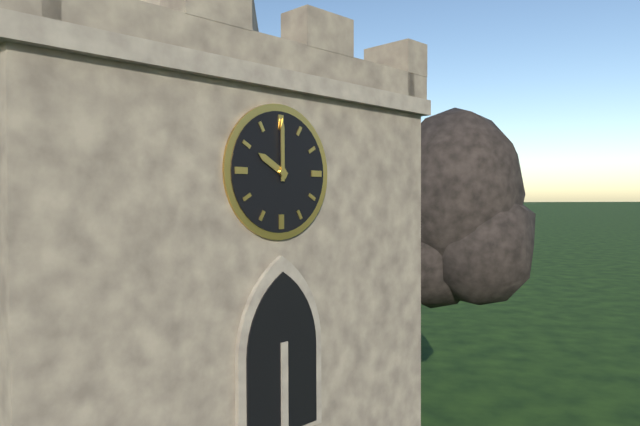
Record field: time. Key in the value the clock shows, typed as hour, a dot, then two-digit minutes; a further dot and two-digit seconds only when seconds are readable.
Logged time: 10.00
